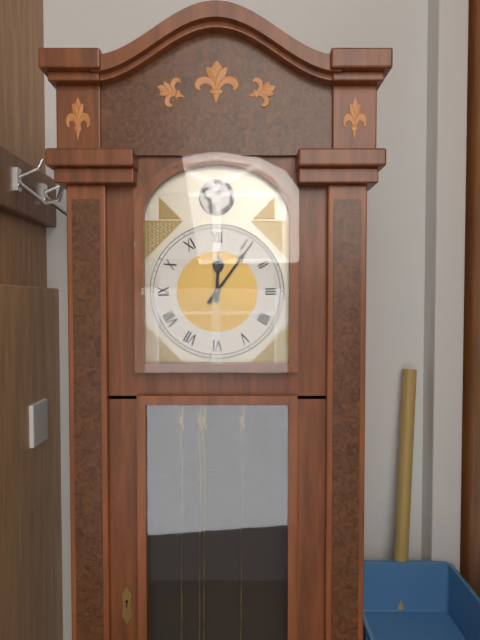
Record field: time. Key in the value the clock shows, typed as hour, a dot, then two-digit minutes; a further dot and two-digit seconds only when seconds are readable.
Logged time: 12.06
